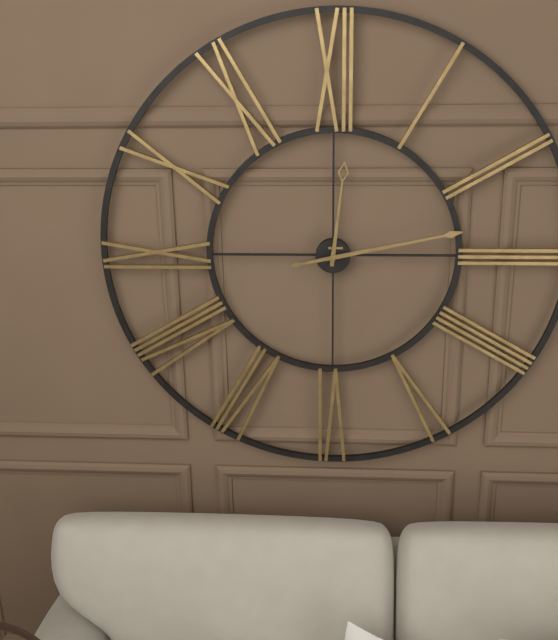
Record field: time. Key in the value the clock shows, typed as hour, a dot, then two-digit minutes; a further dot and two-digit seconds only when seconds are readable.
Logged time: 12.13
